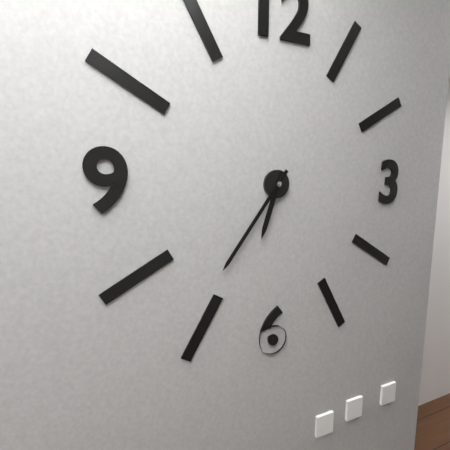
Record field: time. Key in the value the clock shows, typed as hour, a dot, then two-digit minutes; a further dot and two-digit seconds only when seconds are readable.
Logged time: 6.36
